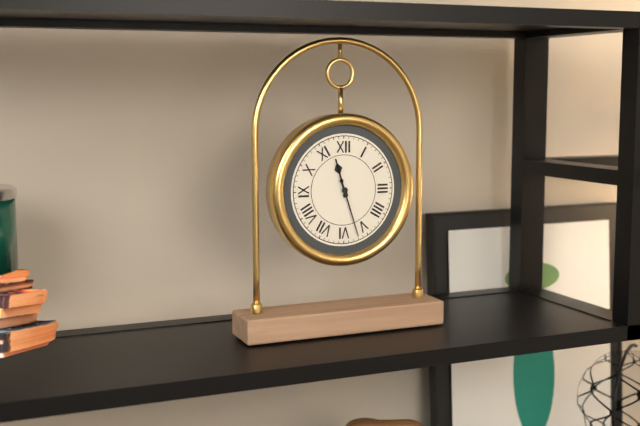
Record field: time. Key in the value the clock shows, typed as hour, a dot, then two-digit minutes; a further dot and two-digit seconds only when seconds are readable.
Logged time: 11.27
